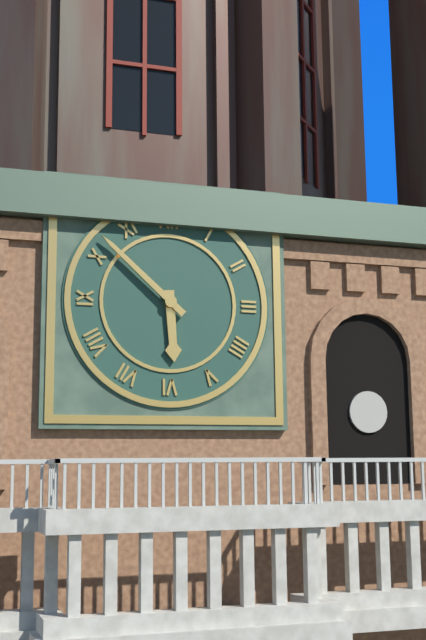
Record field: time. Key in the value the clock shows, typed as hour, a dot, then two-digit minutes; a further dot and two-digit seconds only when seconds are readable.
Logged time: 5.52
